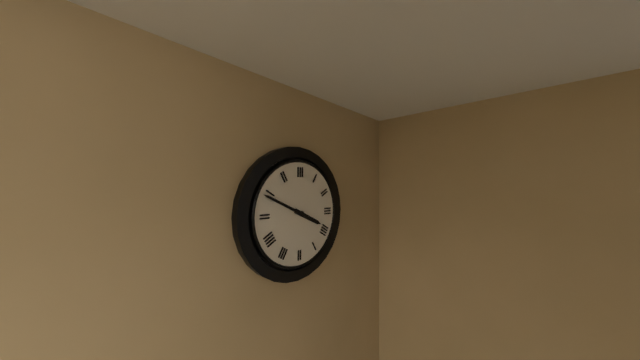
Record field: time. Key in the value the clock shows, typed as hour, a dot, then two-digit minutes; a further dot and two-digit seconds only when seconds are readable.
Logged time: 3.49
